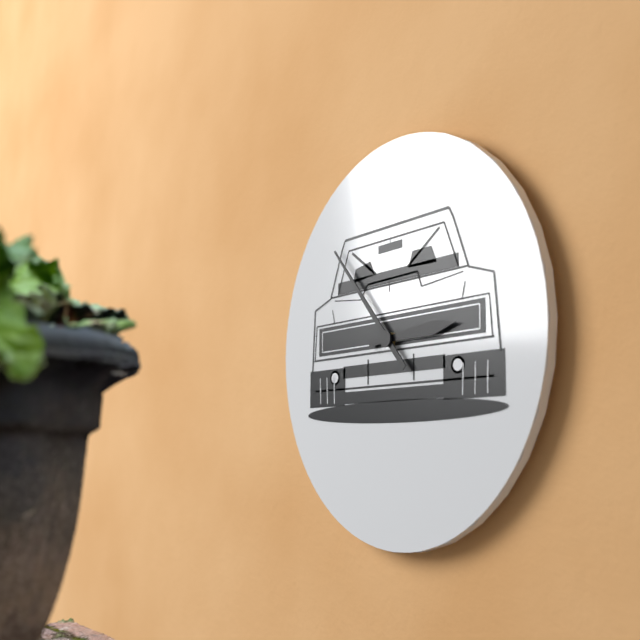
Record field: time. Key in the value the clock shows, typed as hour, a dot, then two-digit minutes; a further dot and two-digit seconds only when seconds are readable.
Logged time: 2.53
